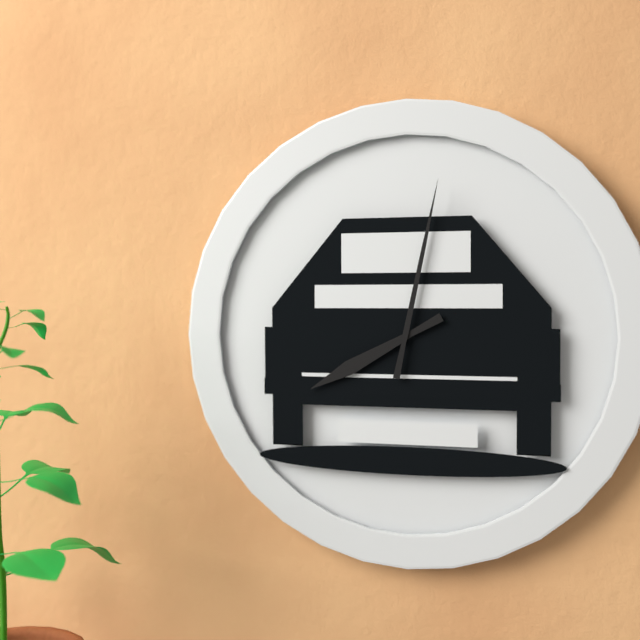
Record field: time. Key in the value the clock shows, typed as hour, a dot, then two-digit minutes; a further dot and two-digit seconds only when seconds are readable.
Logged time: 8.02
